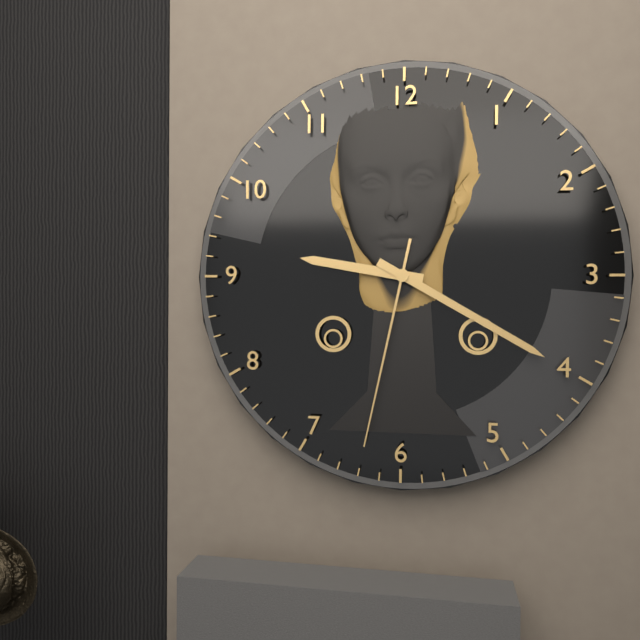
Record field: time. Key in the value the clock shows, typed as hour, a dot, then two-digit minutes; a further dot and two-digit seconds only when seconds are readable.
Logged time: 9.20.32
